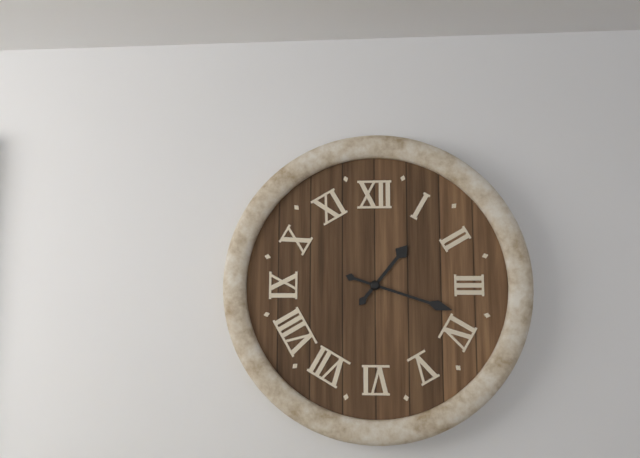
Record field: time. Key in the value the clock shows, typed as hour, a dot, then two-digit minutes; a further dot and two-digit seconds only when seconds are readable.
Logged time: 1.18
